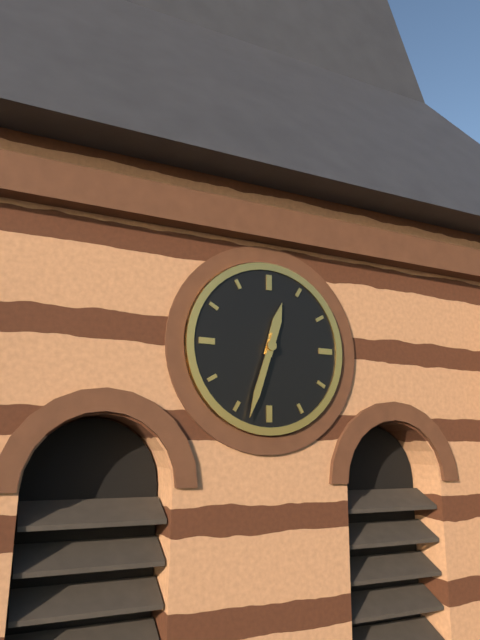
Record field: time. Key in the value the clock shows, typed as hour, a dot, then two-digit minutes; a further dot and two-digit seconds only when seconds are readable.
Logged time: 12.33
